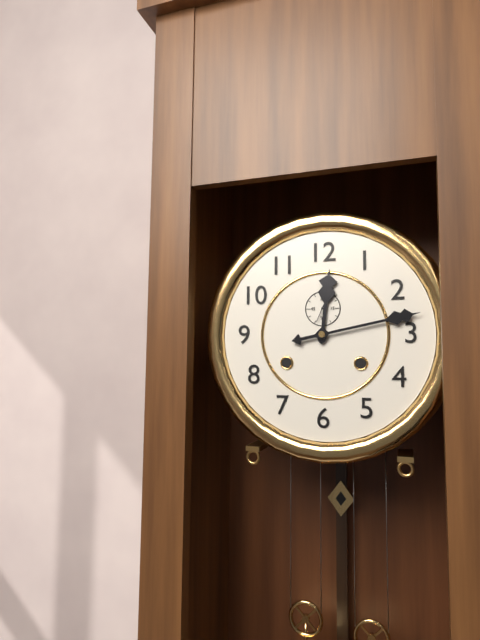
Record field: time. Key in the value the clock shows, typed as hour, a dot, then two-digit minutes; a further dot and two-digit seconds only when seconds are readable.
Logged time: 12.13
